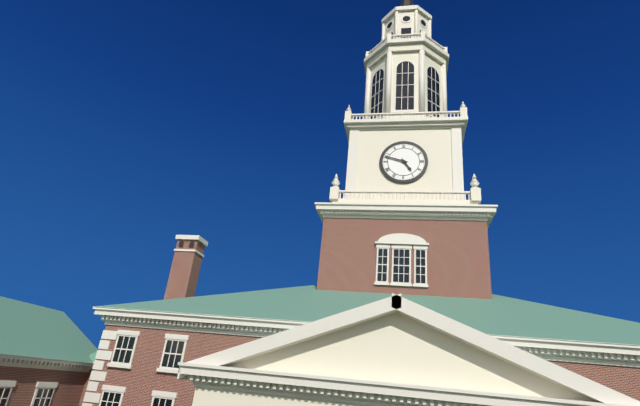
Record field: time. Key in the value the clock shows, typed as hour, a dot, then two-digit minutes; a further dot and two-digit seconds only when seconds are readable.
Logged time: 4.48
